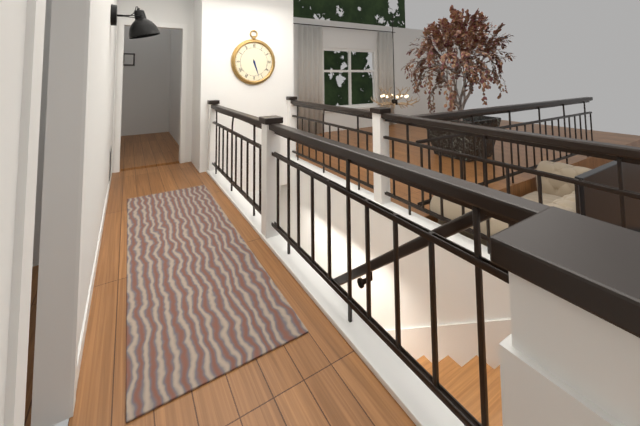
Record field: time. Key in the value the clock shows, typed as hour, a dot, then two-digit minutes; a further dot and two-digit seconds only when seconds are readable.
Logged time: 5.27
